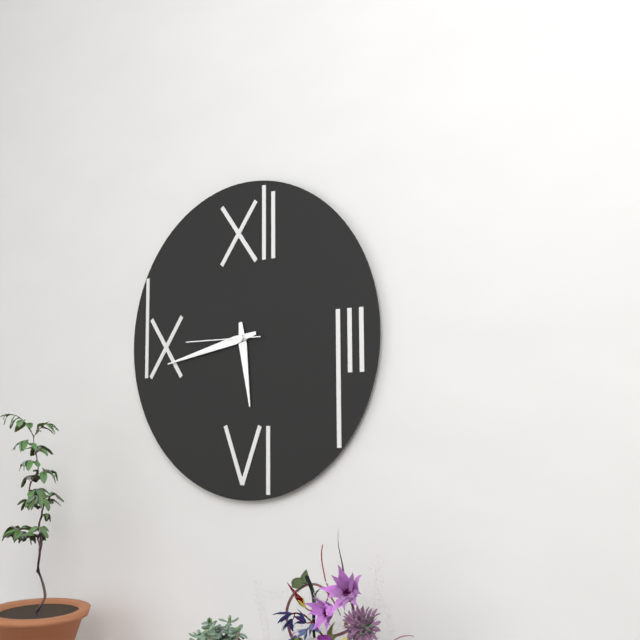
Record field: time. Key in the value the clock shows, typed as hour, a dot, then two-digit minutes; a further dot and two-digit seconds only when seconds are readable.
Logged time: 5.43.45
